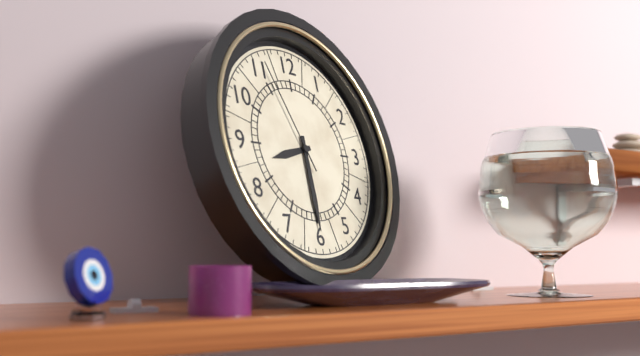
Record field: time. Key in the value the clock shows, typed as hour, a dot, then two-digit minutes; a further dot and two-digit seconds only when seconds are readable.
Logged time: 8.30.56
